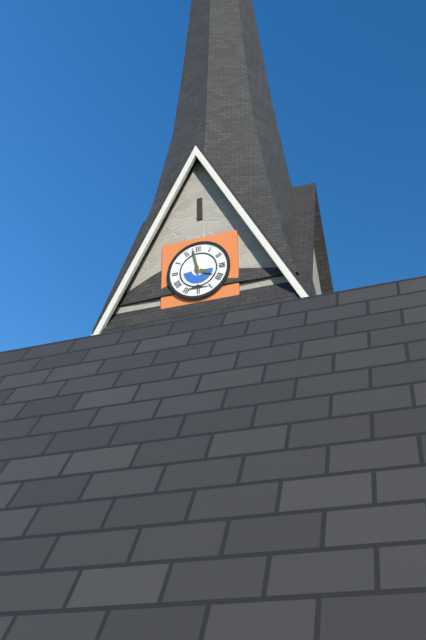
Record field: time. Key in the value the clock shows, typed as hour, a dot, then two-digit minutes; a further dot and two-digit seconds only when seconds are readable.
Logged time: 3.58
